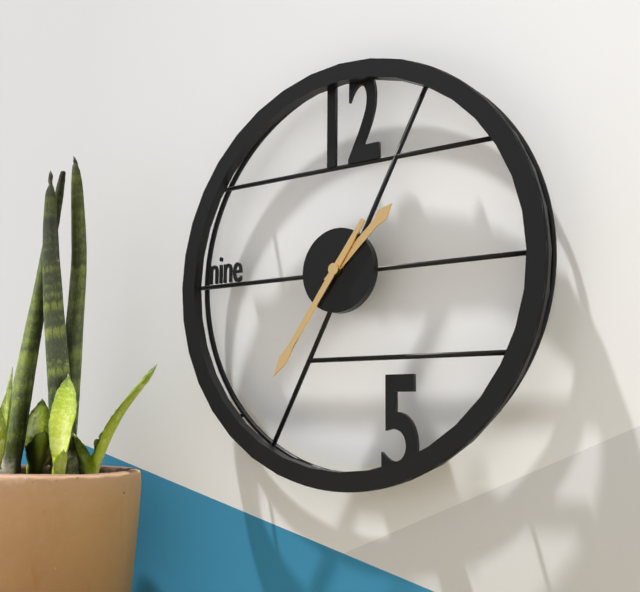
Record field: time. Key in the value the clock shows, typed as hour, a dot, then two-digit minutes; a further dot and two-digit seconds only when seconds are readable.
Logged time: 1.36
